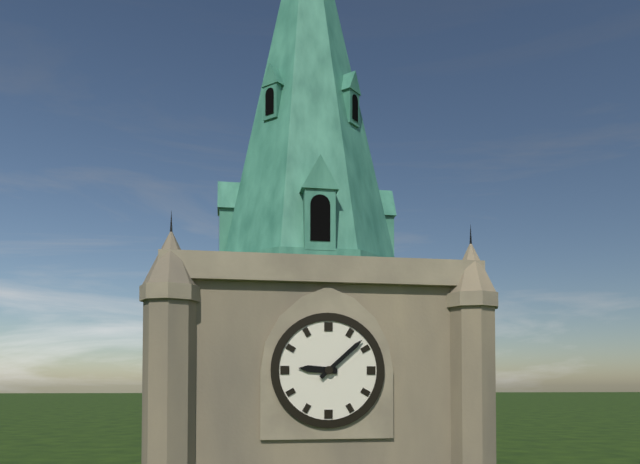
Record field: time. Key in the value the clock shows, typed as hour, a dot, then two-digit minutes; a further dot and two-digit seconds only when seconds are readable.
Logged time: 9.08
